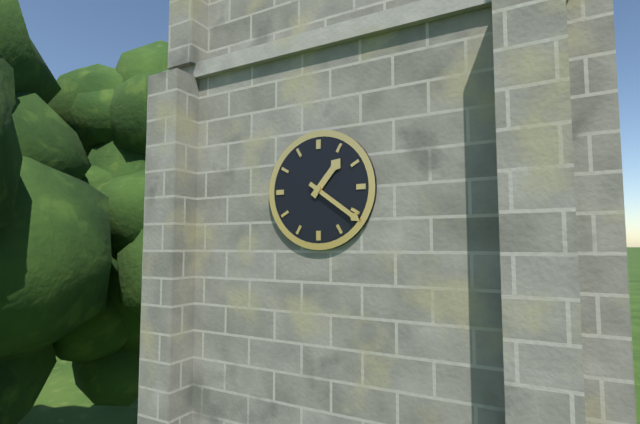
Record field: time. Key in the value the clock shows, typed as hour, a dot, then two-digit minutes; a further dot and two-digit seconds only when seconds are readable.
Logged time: 1.21
